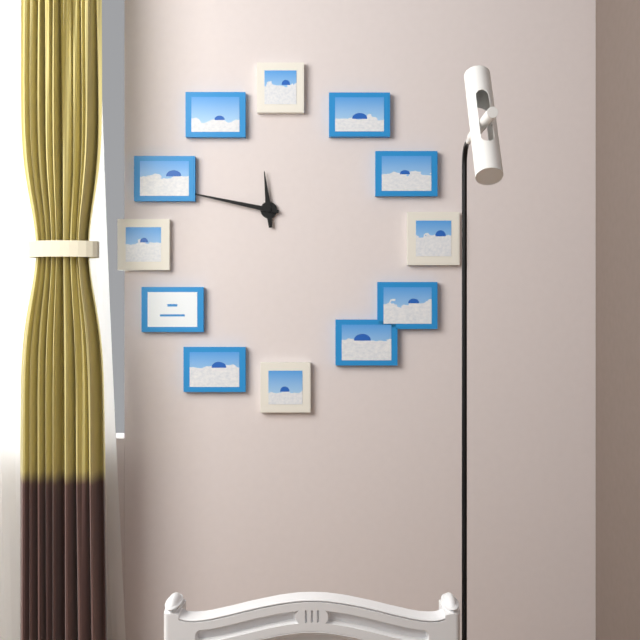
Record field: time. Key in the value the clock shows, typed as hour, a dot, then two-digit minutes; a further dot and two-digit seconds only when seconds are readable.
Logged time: 11.47
